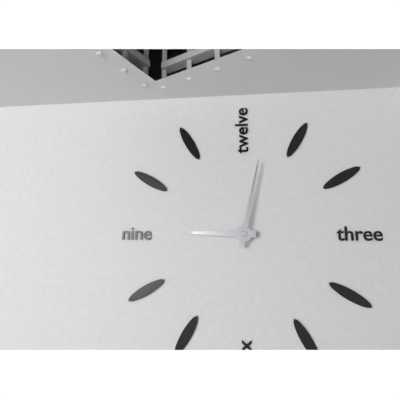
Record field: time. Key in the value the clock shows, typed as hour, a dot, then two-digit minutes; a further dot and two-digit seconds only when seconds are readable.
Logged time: 9.02
